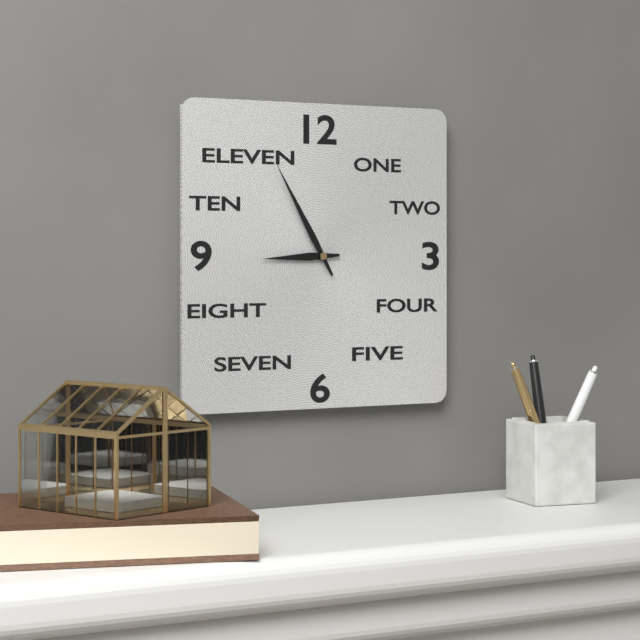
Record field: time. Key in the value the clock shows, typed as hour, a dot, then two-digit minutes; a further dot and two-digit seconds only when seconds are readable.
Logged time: 8.55
